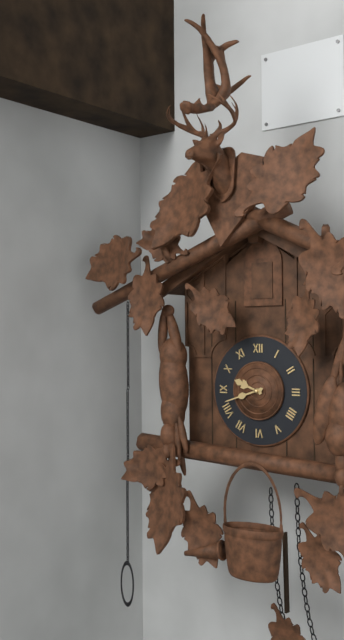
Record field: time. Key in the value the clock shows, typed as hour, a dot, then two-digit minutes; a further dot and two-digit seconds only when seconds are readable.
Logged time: 9.42
